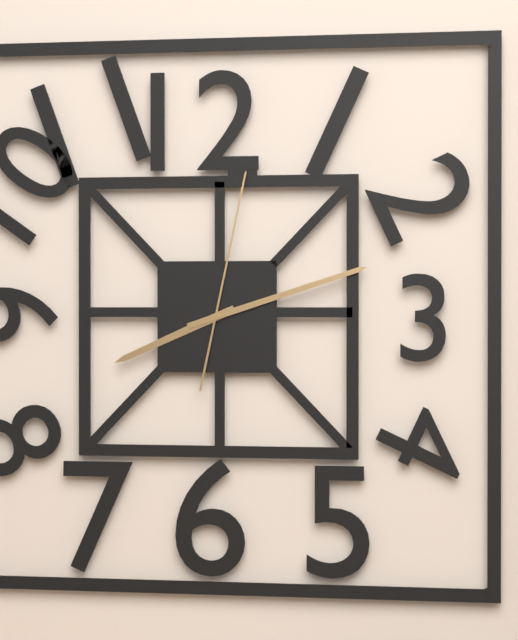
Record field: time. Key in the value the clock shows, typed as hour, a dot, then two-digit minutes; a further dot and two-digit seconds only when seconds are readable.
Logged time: 8.12.02
